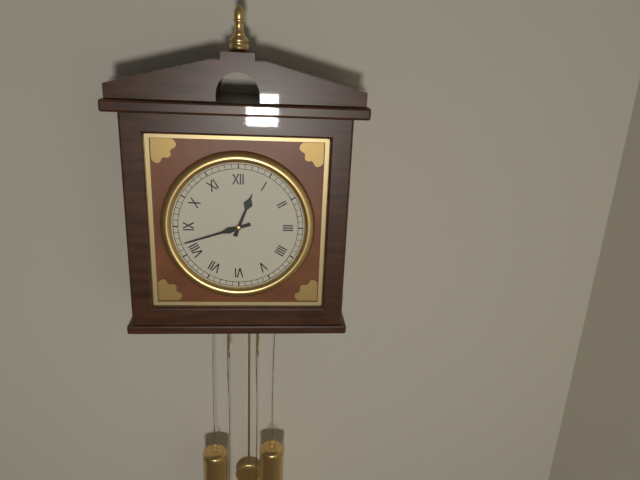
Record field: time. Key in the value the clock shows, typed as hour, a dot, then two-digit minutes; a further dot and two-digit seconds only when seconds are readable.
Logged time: 12.42
